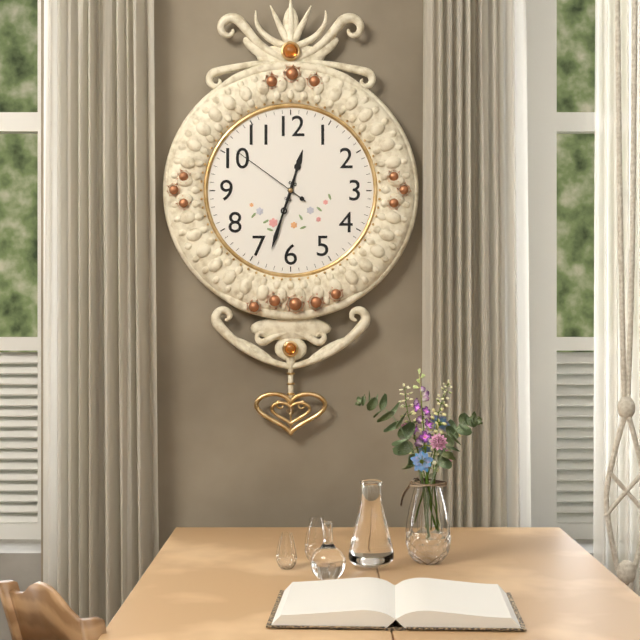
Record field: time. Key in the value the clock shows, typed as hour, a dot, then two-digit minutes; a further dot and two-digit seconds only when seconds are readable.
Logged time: 12.33.51
